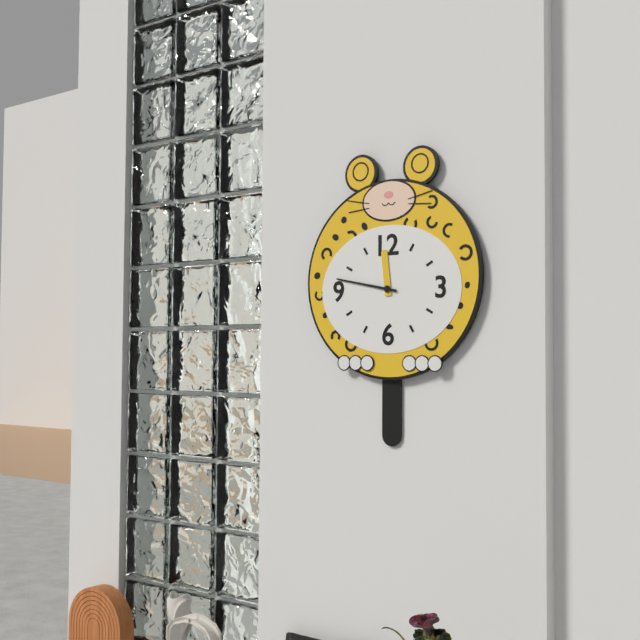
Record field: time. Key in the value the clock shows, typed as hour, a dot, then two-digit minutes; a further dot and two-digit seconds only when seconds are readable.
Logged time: 11.47
